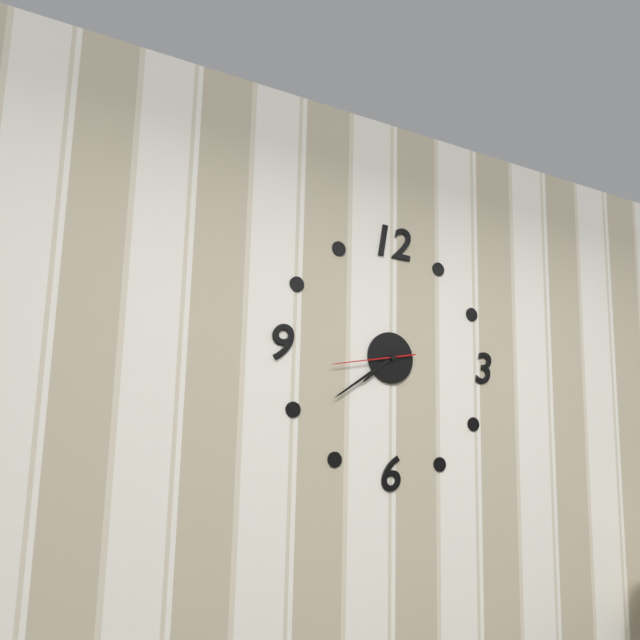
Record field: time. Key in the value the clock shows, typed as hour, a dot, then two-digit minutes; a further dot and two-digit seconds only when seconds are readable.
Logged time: 7.39.43
